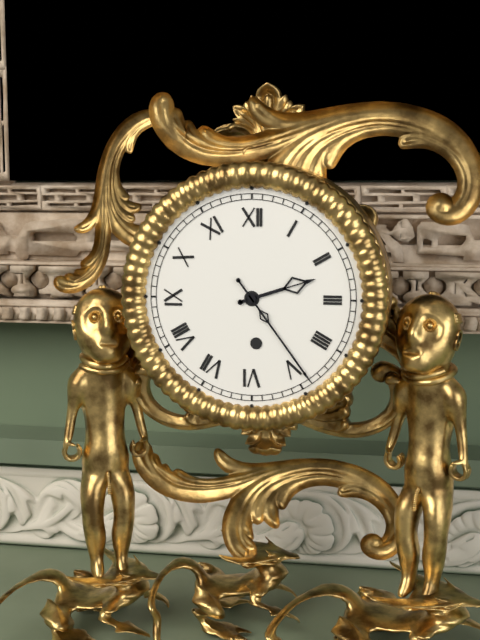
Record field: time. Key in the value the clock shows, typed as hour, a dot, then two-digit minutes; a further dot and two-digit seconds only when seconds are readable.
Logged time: 2.24
